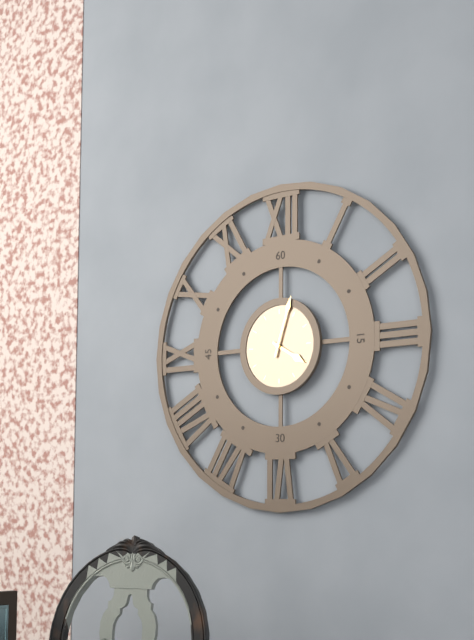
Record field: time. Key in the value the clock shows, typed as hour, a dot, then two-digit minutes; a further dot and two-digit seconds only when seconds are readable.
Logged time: 4.03
